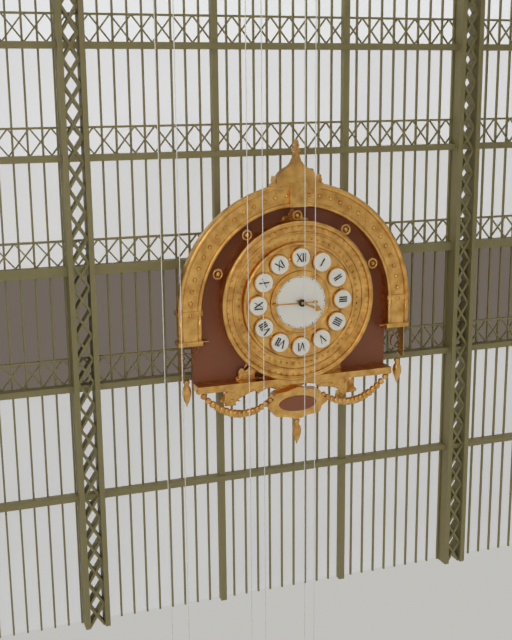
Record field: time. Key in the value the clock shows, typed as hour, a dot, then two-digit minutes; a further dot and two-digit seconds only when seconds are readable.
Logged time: 3.45
